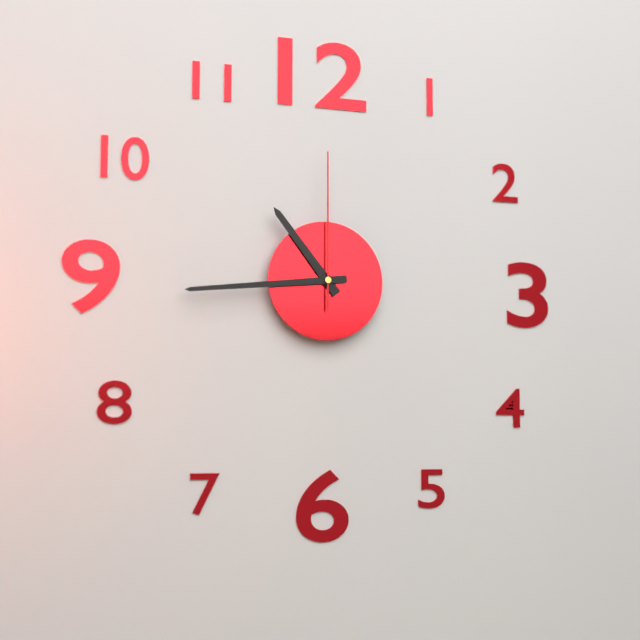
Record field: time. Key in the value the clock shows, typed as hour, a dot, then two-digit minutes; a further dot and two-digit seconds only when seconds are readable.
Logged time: 10.44.00
